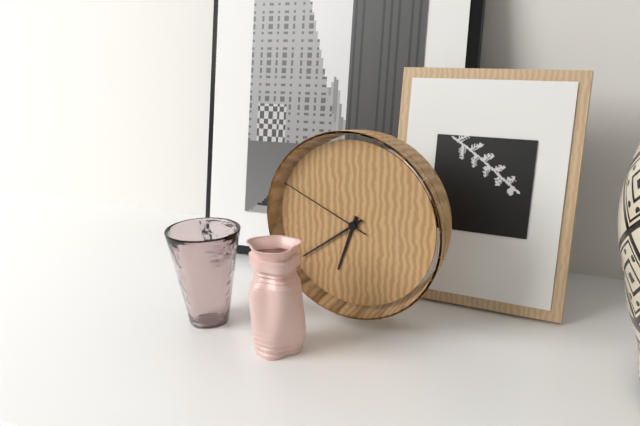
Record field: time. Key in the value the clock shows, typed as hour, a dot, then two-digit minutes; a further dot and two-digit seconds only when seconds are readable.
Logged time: 6.39.49
